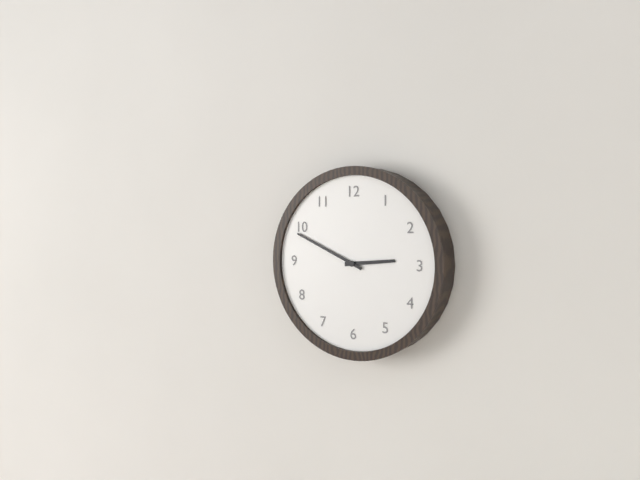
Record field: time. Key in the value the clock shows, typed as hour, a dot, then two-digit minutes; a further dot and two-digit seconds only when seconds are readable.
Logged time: 2.49
